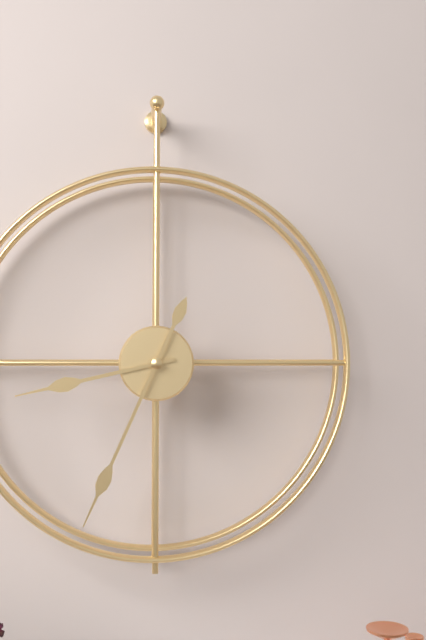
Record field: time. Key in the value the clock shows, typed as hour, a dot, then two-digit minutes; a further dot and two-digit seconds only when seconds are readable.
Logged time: 8.34
